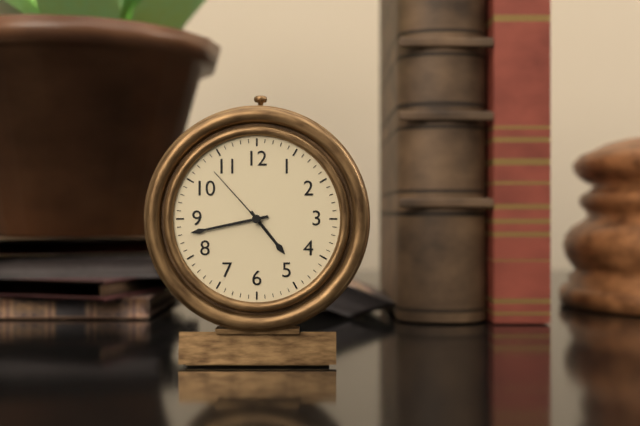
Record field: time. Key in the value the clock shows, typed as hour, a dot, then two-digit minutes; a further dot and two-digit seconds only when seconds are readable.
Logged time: 4.43.53
